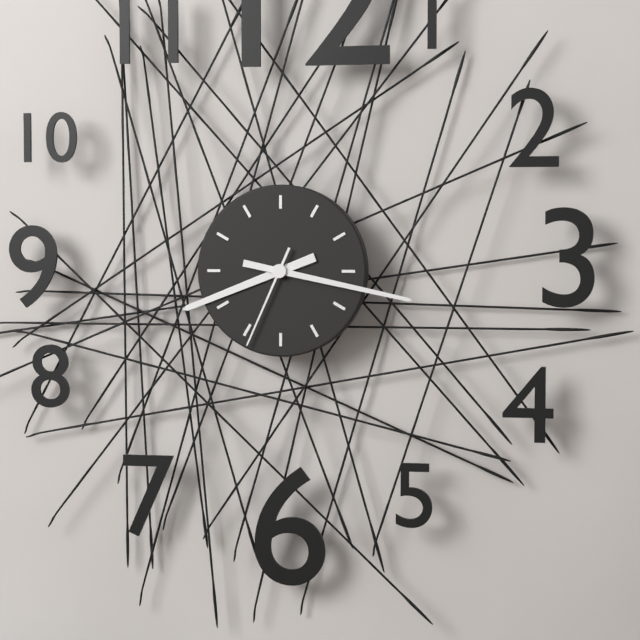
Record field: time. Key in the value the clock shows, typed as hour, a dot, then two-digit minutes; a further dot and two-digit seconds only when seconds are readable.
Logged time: 8.17.34
